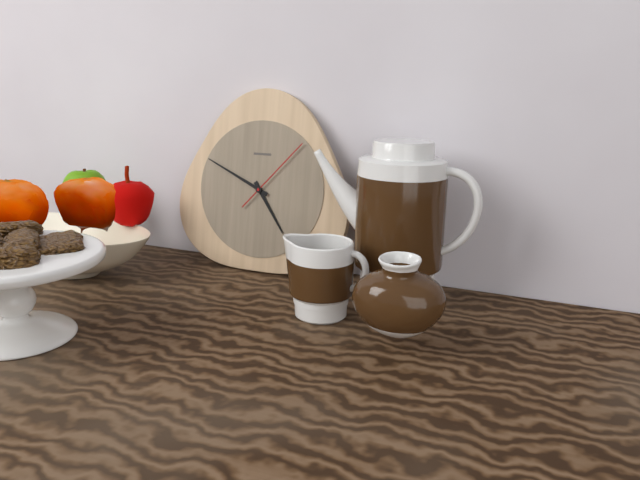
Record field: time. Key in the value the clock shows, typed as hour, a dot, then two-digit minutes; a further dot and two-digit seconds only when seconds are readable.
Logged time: 4.49.07
